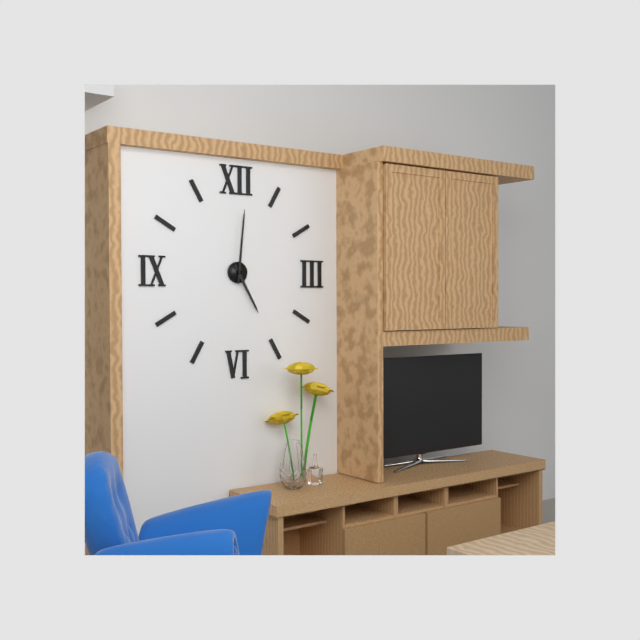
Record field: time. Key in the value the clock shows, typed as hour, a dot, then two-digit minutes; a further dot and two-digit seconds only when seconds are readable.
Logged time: 5.01
